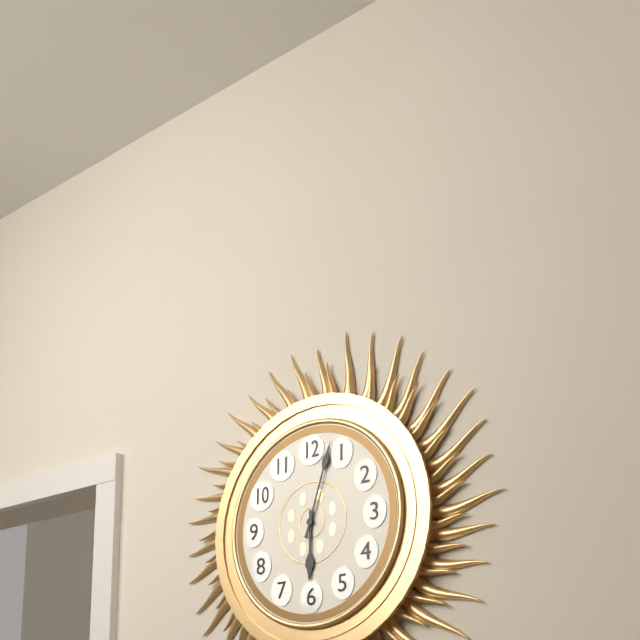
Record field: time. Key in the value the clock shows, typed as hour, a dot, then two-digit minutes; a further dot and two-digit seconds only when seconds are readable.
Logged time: 6.03
